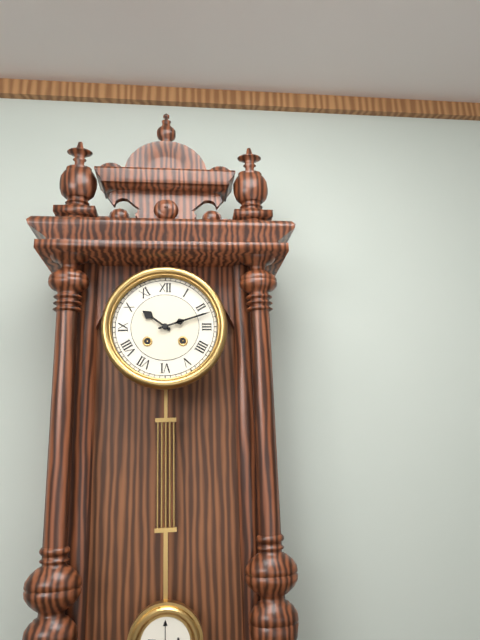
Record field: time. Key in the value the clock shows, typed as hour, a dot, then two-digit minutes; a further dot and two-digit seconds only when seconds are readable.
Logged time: 10.12
